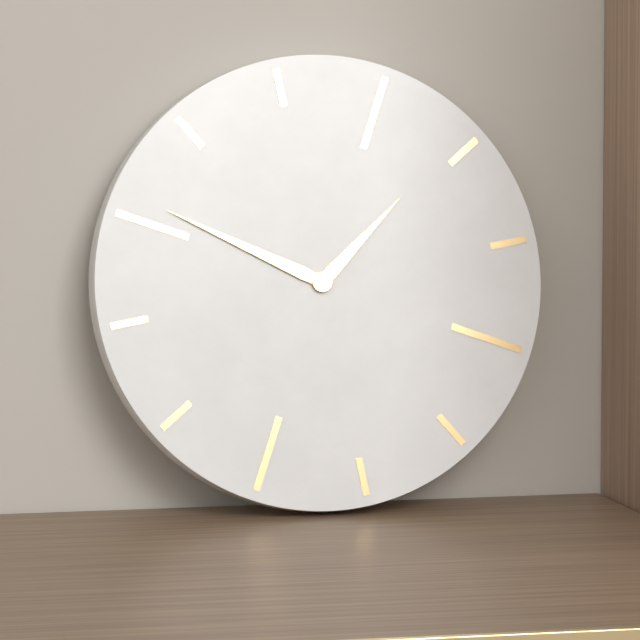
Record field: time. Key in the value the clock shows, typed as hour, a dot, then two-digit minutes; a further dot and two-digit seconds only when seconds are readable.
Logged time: 1.51
